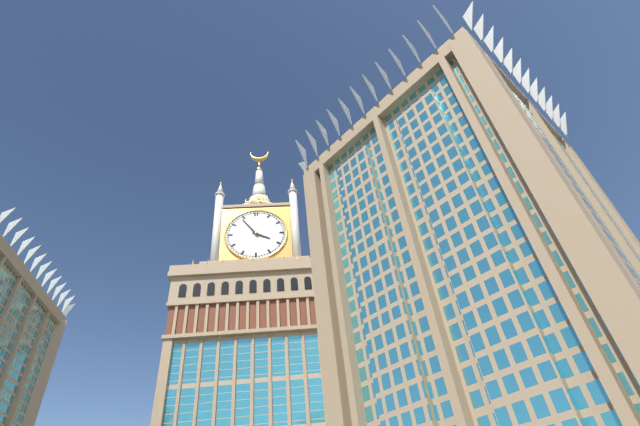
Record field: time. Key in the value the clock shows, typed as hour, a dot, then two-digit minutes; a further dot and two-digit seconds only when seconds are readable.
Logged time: 3.54
